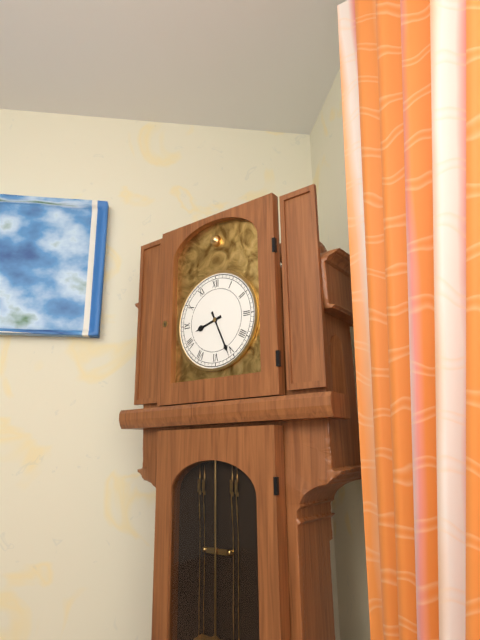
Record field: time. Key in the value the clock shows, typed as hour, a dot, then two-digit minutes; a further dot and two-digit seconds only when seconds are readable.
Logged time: 8.26
